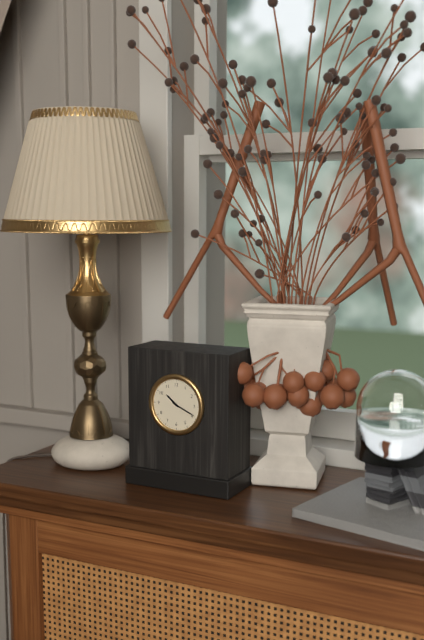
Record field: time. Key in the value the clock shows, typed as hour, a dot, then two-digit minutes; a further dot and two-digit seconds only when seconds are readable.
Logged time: 10.19
